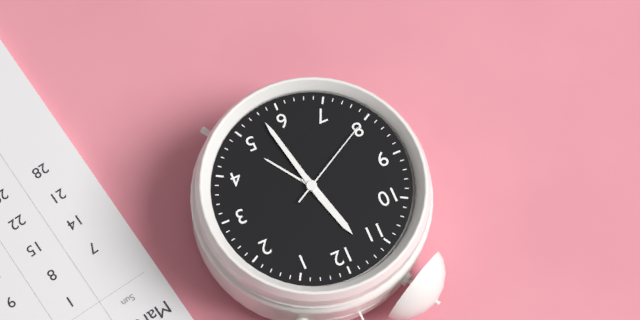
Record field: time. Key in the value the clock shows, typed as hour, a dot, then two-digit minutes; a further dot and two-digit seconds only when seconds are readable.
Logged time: 11.28.40
